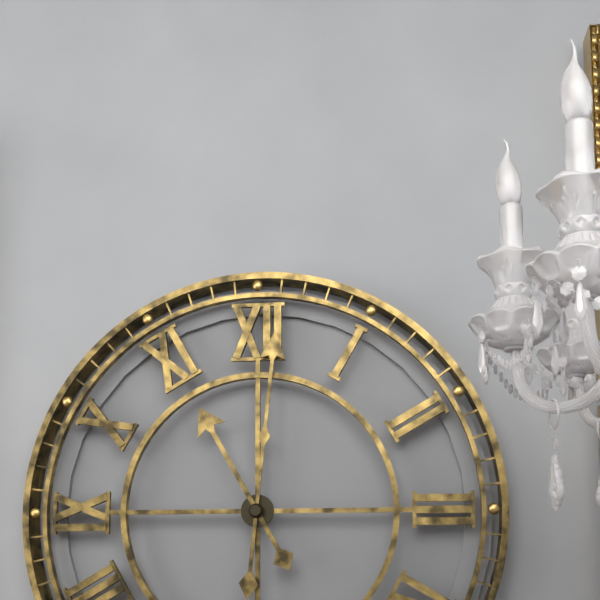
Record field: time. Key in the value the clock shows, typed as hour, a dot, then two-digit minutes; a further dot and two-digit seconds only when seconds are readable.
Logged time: 11.01
